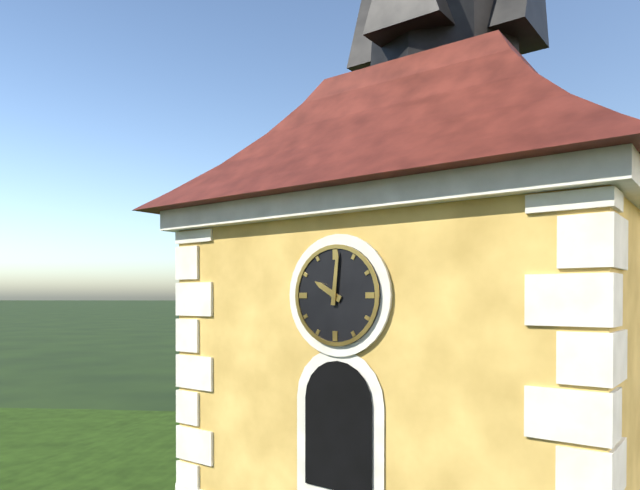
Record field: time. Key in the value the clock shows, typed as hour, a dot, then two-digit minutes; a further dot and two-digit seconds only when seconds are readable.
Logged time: 10.01
